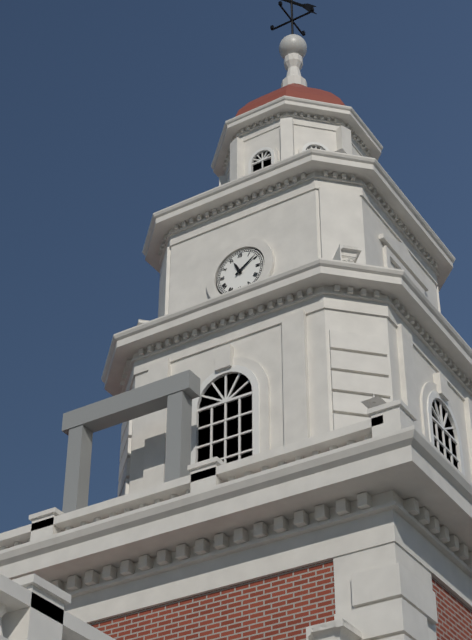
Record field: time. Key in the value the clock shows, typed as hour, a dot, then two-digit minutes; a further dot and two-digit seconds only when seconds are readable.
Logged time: 11.09
